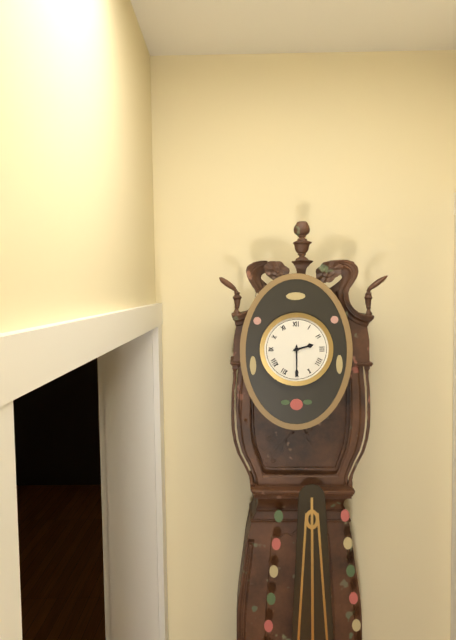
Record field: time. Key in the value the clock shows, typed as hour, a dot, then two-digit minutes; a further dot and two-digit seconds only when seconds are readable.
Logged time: 2.30
